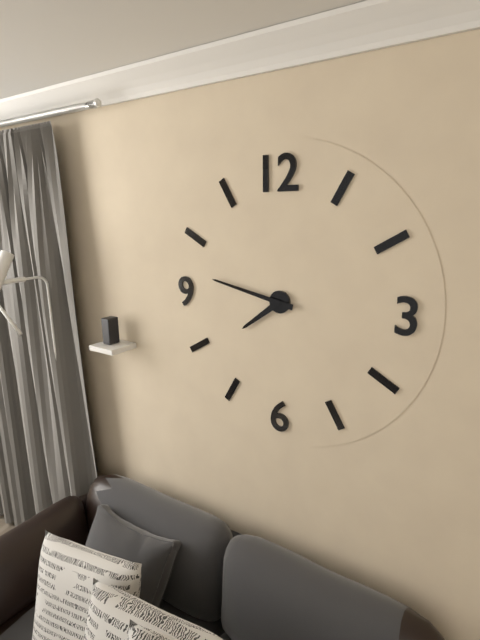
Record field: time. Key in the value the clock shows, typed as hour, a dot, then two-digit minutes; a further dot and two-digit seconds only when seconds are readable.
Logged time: 7.47
